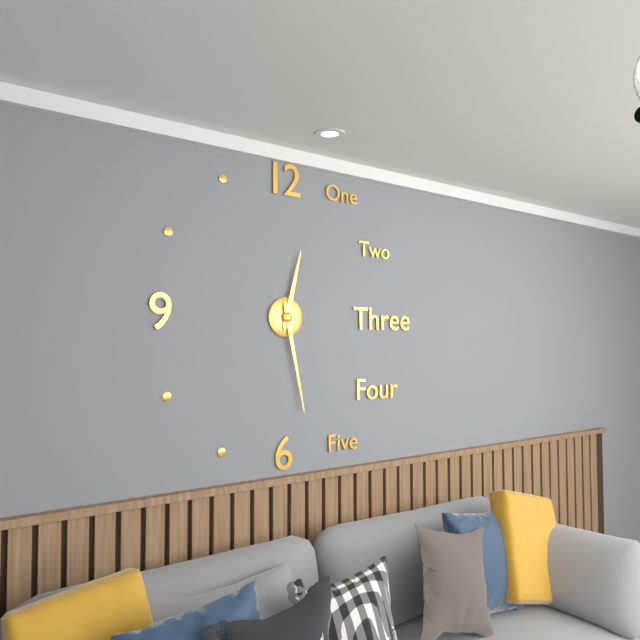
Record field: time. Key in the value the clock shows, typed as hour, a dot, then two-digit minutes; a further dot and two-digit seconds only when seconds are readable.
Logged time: 12.28
